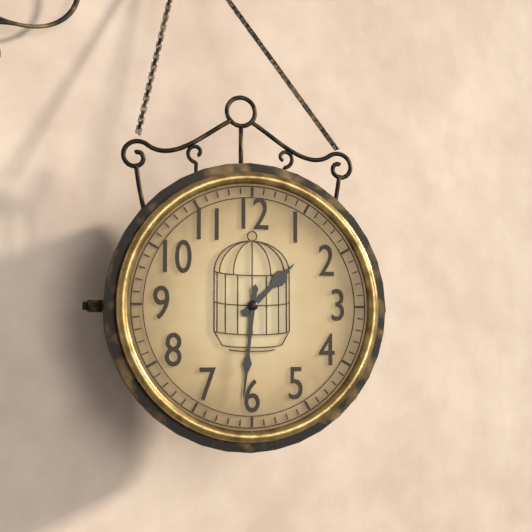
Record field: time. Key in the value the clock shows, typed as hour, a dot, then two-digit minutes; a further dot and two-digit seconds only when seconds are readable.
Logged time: 1.31
